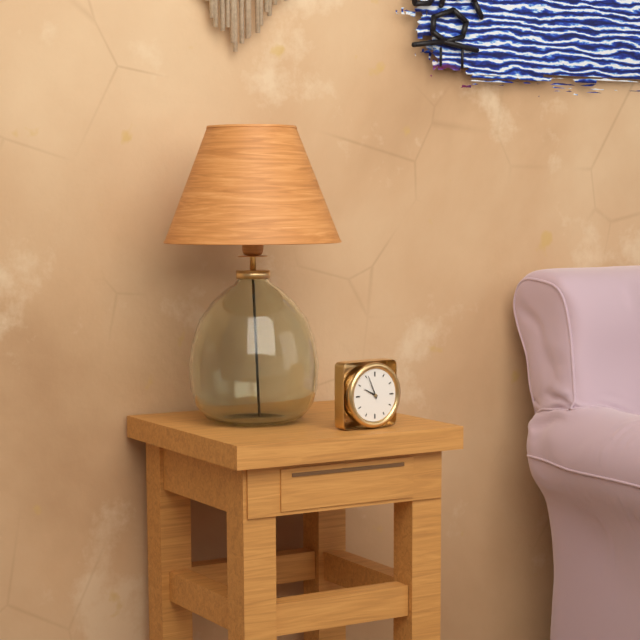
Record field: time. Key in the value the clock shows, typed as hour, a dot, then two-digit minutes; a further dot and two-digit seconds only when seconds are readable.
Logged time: 9.56
